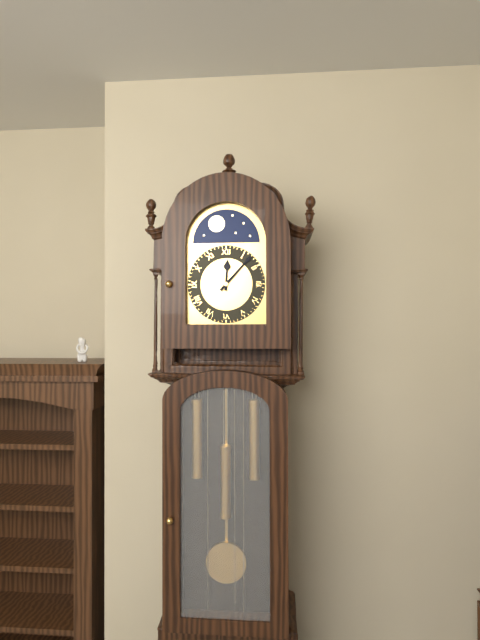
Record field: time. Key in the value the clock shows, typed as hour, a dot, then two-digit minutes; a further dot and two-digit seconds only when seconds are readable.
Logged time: 12.07
